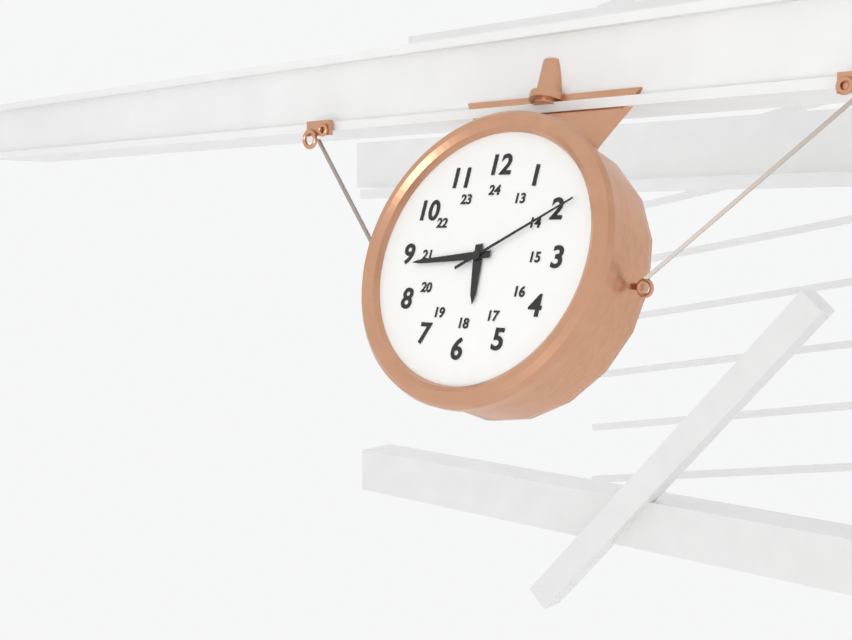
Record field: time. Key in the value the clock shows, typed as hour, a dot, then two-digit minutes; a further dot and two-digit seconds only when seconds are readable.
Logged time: 5.44.10
